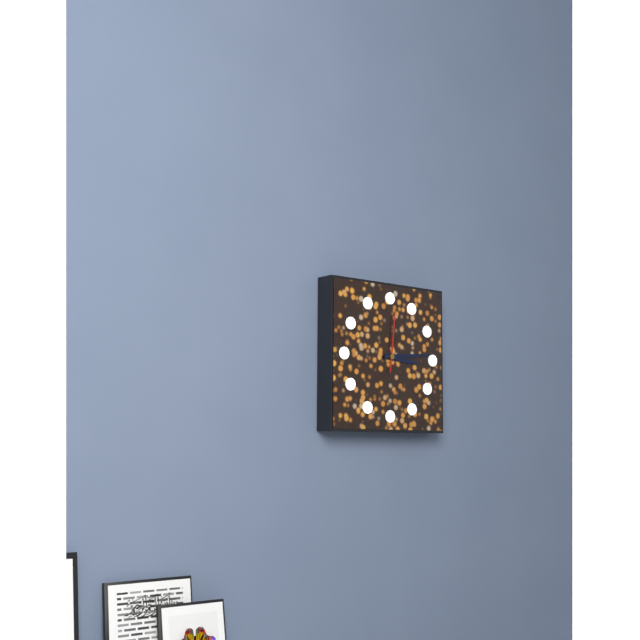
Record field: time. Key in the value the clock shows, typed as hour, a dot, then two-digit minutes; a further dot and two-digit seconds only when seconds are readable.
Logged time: 3.14.01
